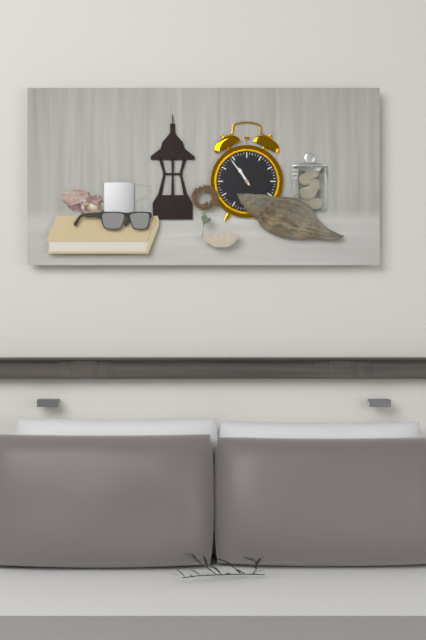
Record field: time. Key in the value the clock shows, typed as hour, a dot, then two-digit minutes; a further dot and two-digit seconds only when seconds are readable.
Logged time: 10.54
